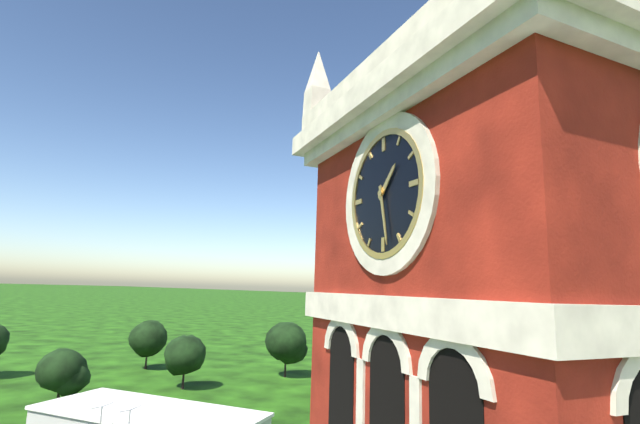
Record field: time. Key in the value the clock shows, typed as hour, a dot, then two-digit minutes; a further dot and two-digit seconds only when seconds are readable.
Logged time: 1.28
